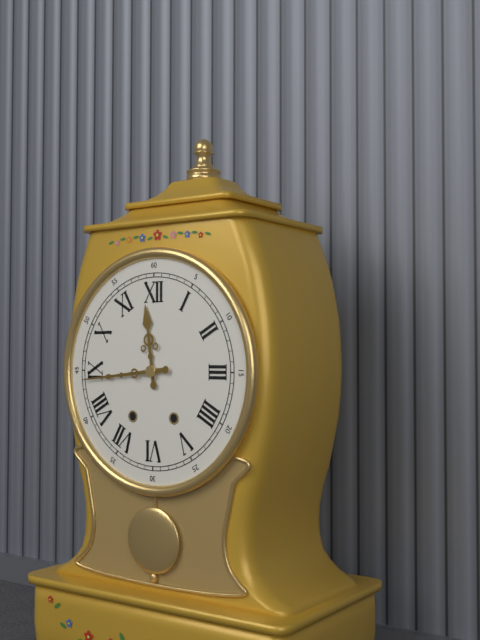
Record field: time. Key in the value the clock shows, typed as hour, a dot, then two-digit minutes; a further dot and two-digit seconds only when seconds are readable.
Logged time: 11.44
